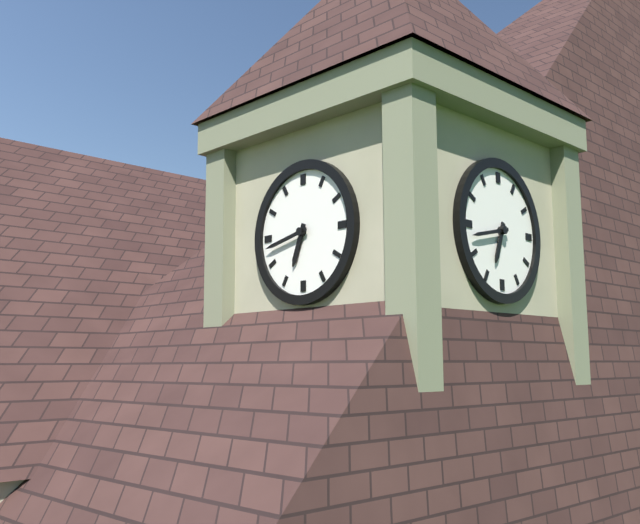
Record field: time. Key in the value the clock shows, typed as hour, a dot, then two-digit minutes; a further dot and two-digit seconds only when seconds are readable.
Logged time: 6.43
